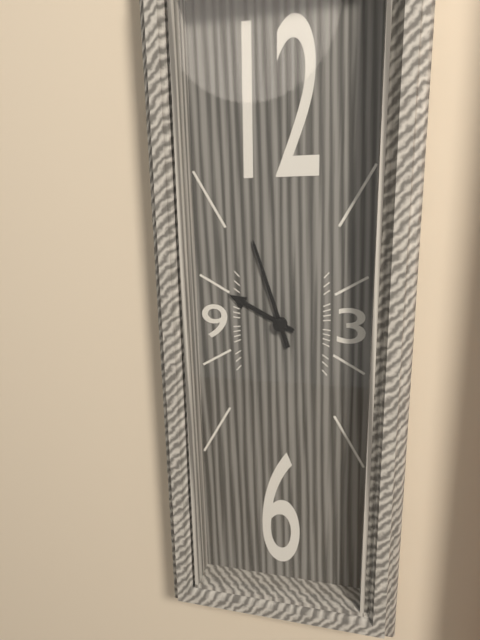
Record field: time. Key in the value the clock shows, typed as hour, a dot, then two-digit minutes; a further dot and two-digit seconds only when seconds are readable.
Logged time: 9.57
